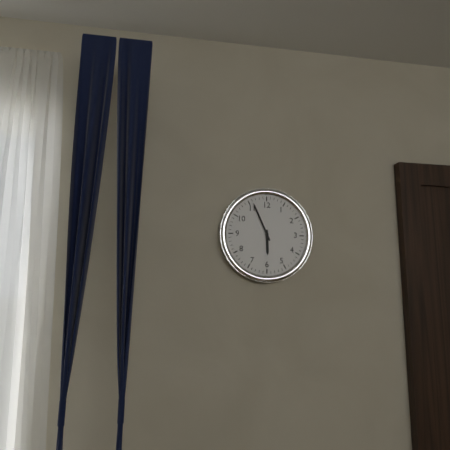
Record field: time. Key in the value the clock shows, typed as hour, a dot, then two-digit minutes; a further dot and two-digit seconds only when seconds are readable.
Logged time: 5.56
